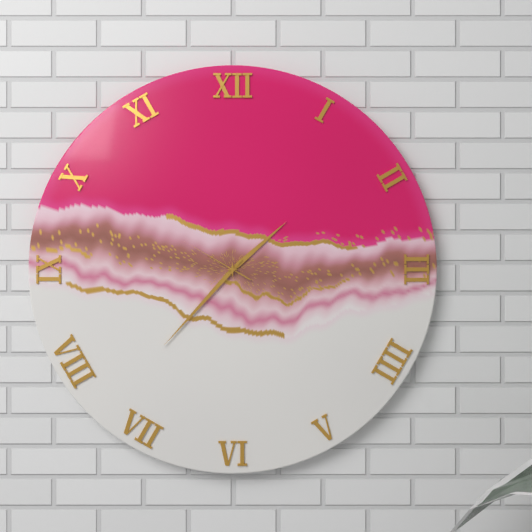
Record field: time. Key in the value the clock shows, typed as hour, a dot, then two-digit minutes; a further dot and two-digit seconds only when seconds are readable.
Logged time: 1.37.50
